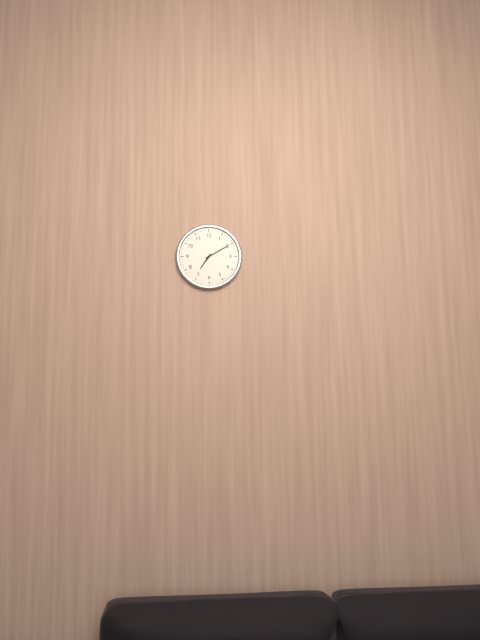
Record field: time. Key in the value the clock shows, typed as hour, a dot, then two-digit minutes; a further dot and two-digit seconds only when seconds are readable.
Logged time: 7.10
